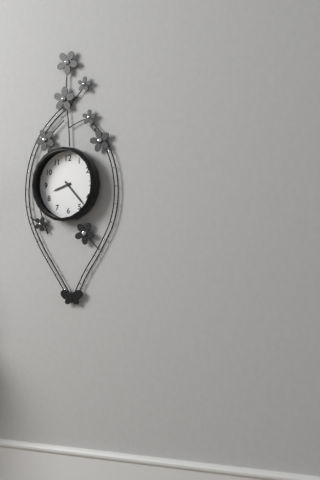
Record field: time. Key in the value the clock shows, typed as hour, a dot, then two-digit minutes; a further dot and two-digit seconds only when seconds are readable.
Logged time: 8.23
